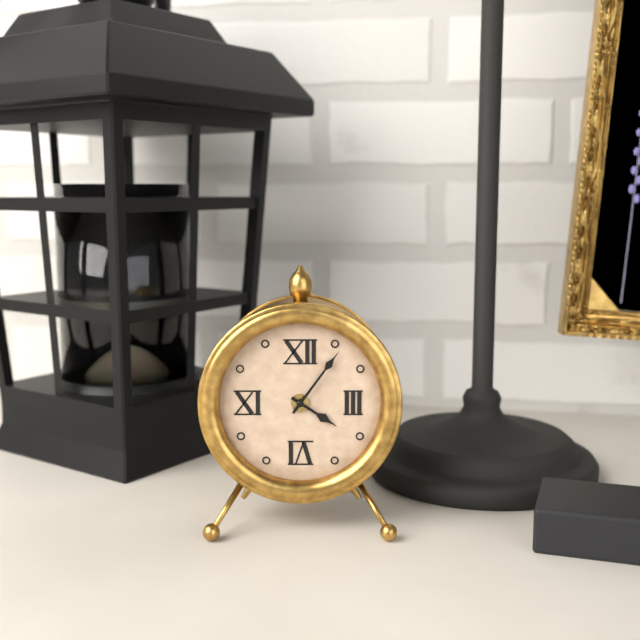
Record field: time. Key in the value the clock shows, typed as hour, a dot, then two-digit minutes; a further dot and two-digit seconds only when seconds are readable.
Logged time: 4.06
